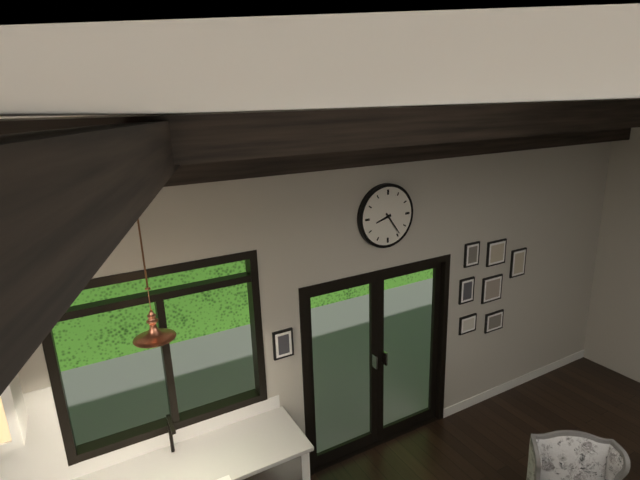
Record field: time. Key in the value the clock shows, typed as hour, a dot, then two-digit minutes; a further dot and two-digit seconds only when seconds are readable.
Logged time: 8.24
